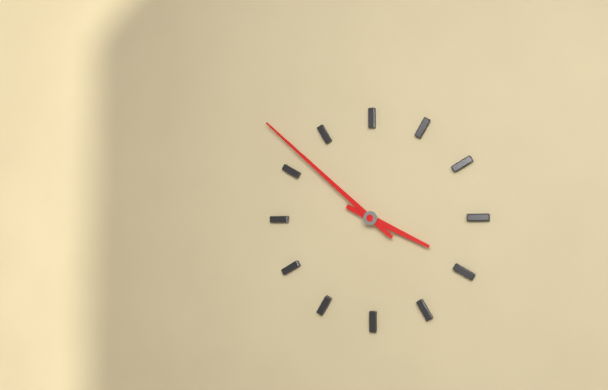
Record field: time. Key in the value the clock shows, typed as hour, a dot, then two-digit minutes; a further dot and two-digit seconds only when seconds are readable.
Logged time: 3.52
